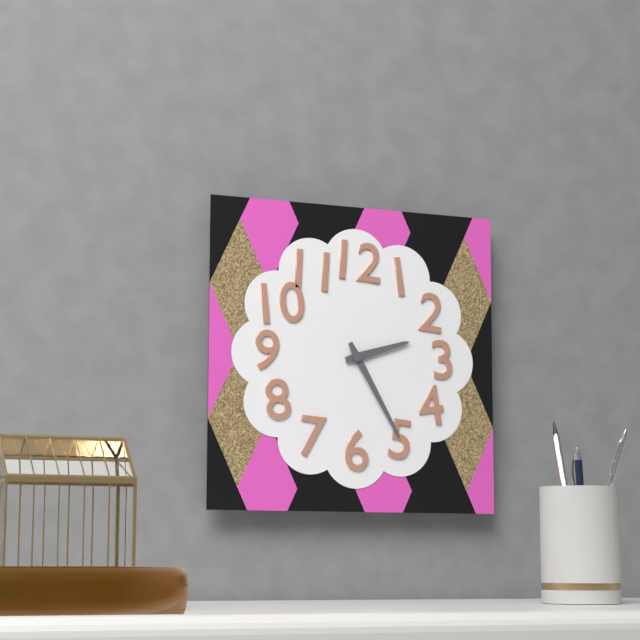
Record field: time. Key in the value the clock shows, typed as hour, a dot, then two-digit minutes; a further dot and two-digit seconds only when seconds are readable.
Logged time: 2.25
